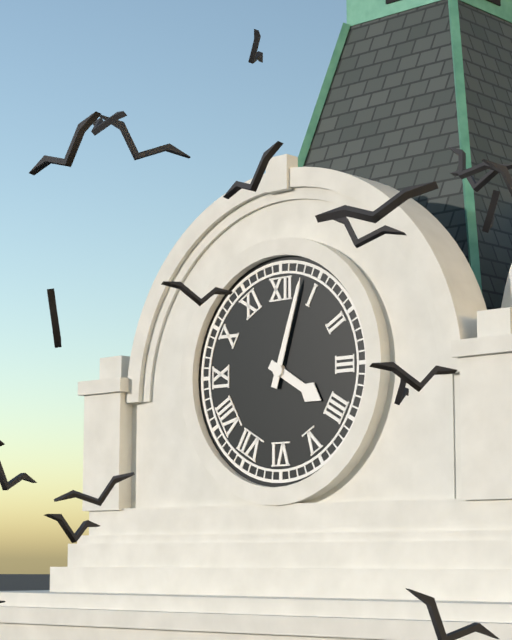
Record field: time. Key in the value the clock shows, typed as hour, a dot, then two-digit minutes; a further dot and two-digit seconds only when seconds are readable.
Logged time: 4.03
